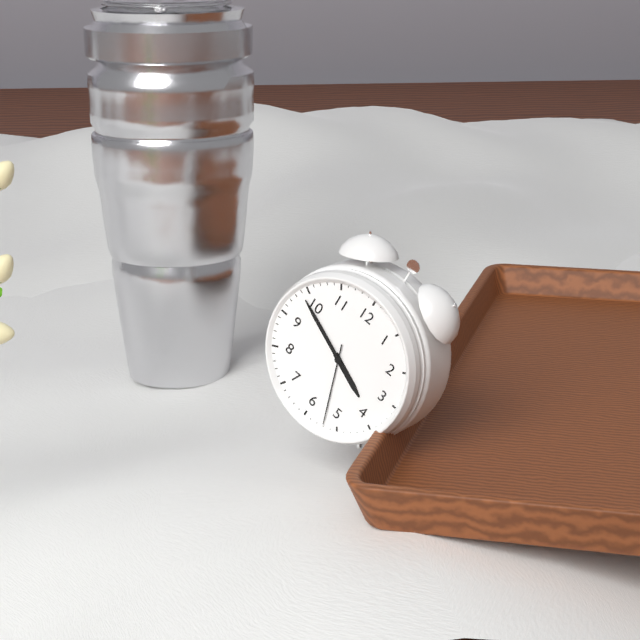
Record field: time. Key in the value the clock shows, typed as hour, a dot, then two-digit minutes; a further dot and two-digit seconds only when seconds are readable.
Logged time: 3.49.27
